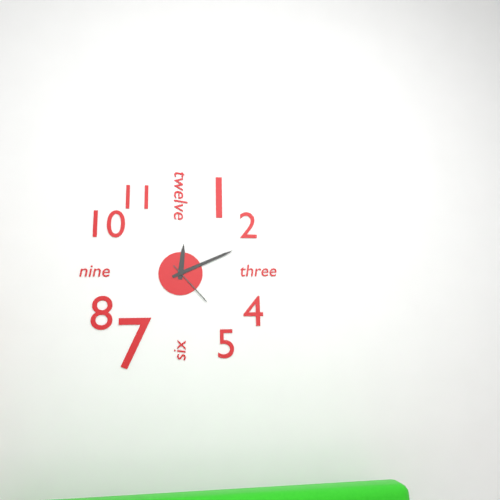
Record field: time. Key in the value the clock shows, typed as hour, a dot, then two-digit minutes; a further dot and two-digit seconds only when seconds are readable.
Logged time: 12.11
